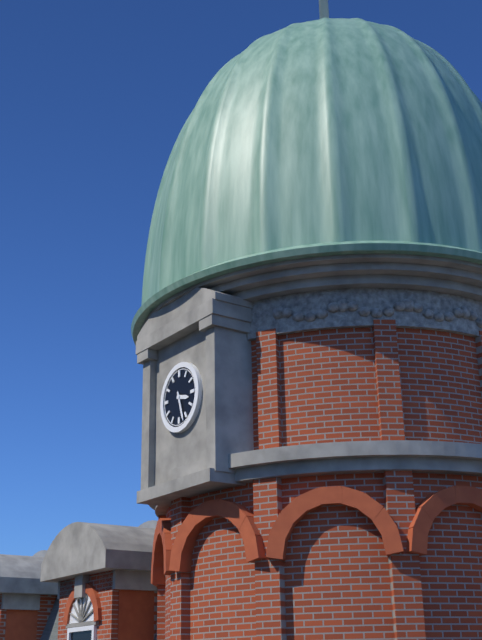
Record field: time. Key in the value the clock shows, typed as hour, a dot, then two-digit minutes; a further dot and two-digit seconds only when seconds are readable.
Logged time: 3.27
